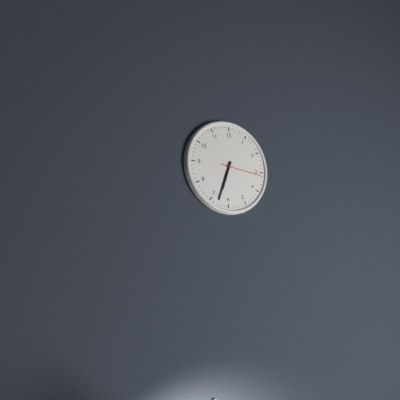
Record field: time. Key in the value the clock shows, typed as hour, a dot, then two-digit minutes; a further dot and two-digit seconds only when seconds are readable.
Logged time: 6.33
